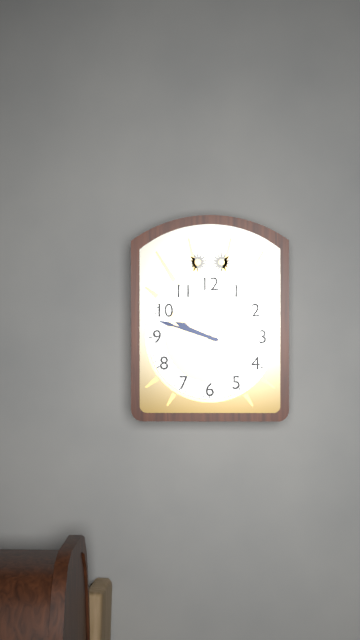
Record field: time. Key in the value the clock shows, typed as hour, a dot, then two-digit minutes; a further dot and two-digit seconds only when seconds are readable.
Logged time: 9.48
